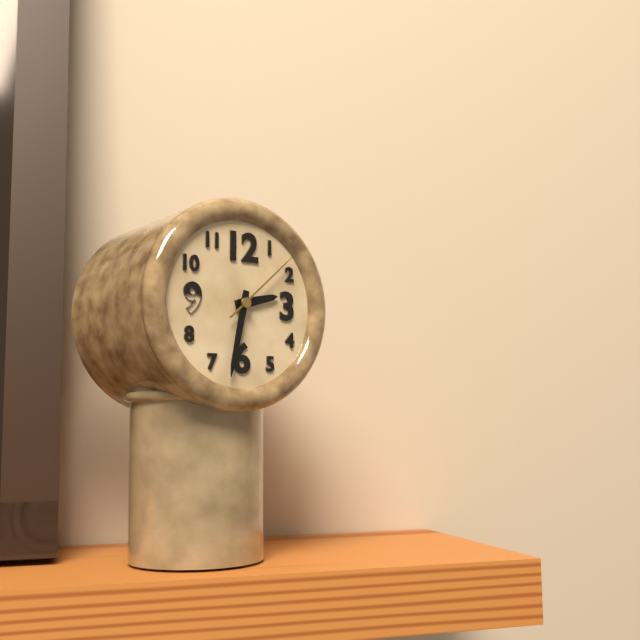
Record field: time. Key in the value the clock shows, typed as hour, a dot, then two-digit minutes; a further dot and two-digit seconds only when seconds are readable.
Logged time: 2.32.08
